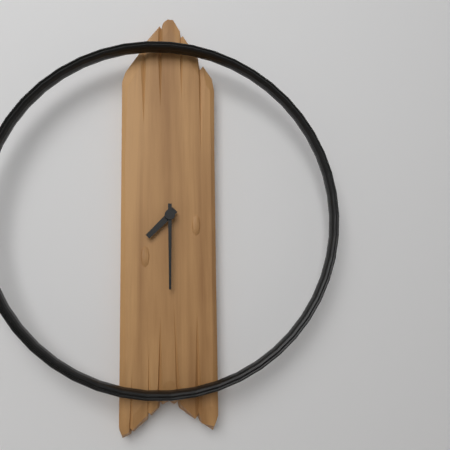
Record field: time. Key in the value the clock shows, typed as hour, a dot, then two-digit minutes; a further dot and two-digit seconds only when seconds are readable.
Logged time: 7.30
